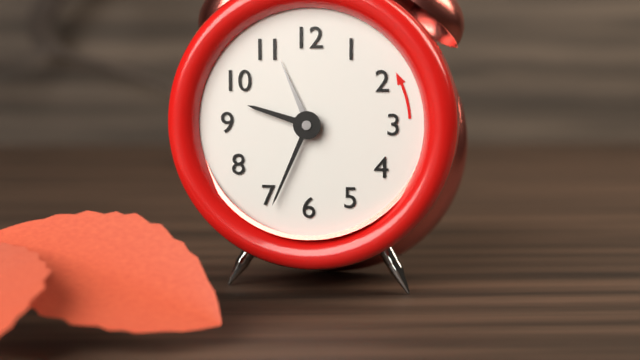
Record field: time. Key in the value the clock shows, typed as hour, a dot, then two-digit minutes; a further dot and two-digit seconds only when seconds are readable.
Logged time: 9.34.56
